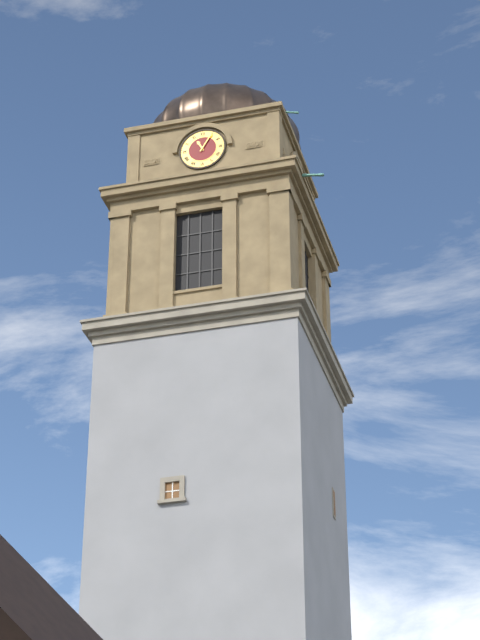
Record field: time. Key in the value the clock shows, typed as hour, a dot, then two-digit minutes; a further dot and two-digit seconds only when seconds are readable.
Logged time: 11.05
